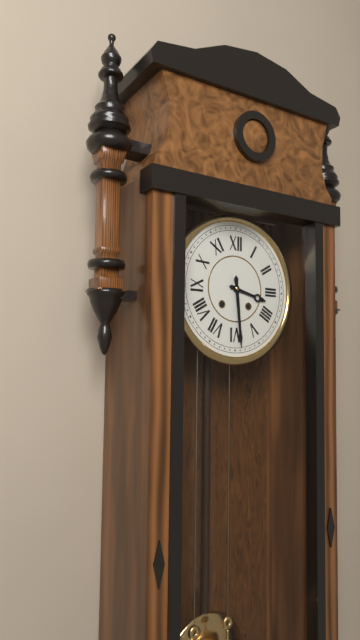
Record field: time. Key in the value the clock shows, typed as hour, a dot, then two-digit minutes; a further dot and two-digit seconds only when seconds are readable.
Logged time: 3.29
